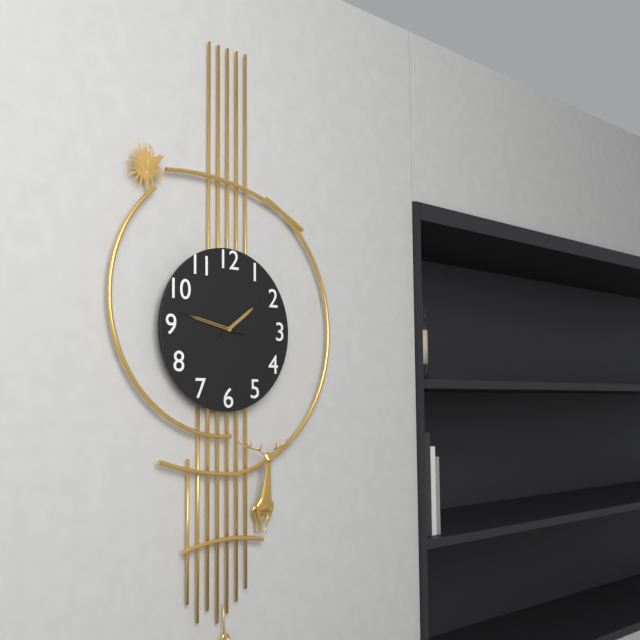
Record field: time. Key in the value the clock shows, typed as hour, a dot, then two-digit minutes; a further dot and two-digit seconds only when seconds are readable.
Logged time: 1.47.47
